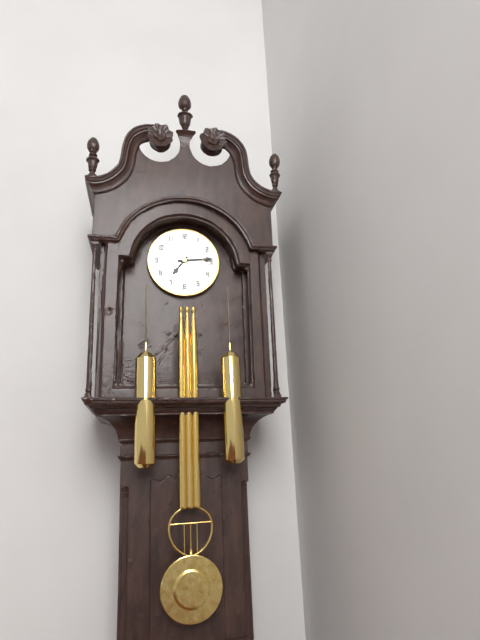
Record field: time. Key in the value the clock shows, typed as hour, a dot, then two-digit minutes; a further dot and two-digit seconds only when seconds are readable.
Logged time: 7.14
